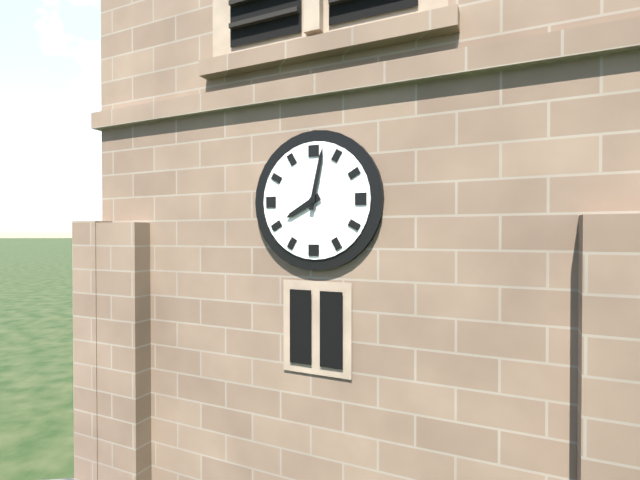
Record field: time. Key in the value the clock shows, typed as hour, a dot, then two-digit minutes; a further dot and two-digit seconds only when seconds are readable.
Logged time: 8.02
